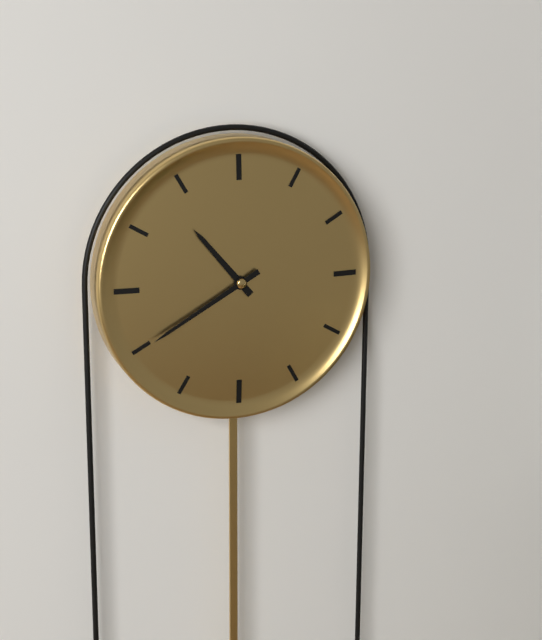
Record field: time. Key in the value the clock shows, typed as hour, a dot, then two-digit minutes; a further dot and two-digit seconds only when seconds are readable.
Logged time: 10.40
